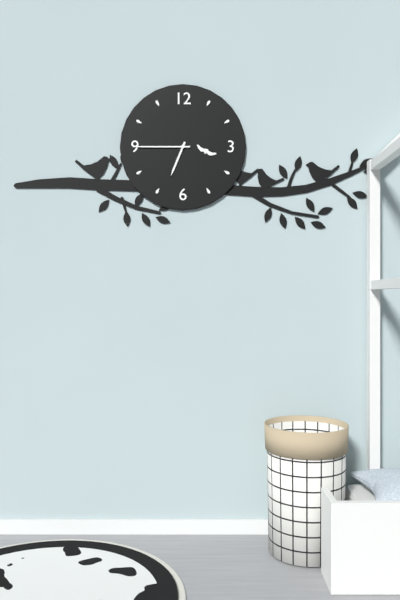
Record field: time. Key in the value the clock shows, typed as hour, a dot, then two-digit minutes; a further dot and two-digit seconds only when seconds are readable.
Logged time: 6.45
